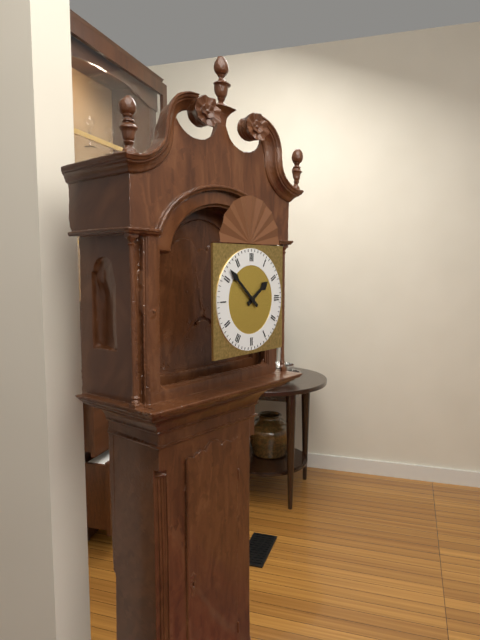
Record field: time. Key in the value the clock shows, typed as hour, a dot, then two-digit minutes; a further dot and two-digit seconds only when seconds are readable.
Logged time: 1.52
